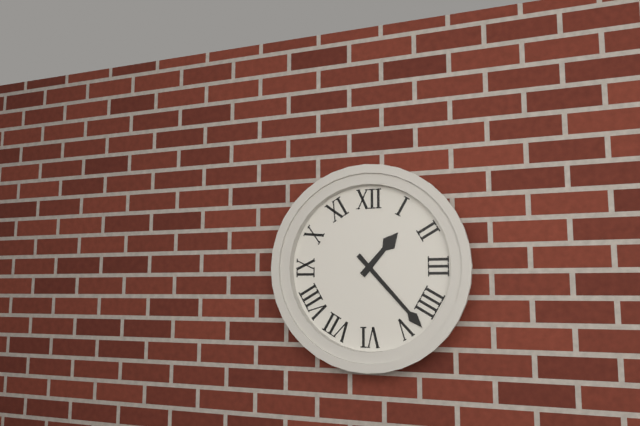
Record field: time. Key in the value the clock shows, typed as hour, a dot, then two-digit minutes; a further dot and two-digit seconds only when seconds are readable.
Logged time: 1.23
